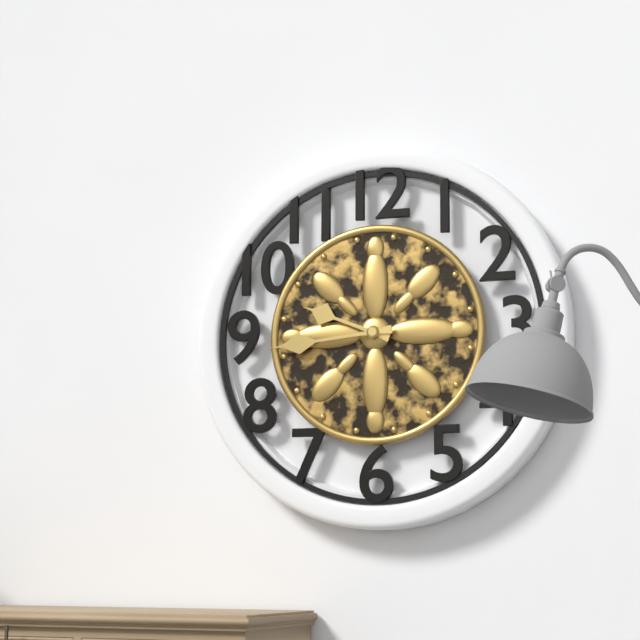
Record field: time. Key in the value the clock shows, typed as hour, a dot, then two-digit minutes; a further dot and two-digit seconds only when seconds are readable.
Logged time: 9.44
